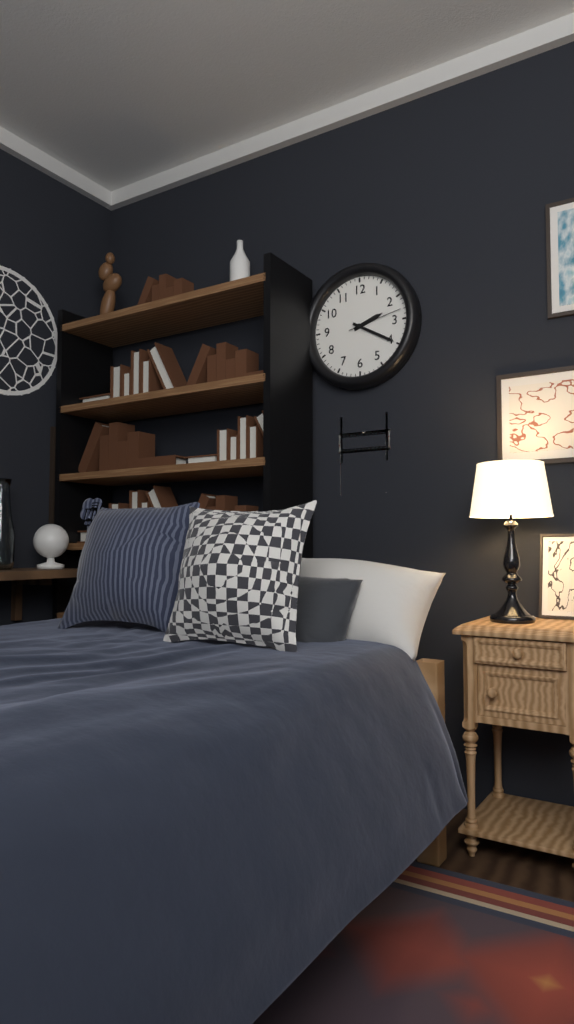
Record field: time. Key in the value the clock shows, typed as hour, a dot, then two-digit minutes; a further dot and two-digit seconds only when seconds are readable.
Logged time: 2.20.13
